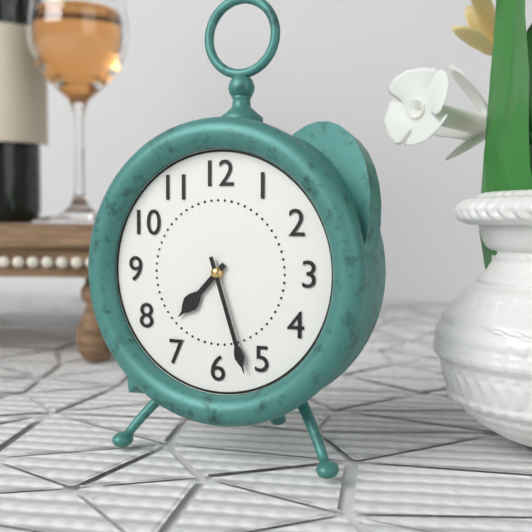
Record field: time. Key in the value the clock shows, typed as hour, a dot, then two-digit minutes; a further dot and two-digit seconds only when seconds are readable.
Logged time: 7.27
